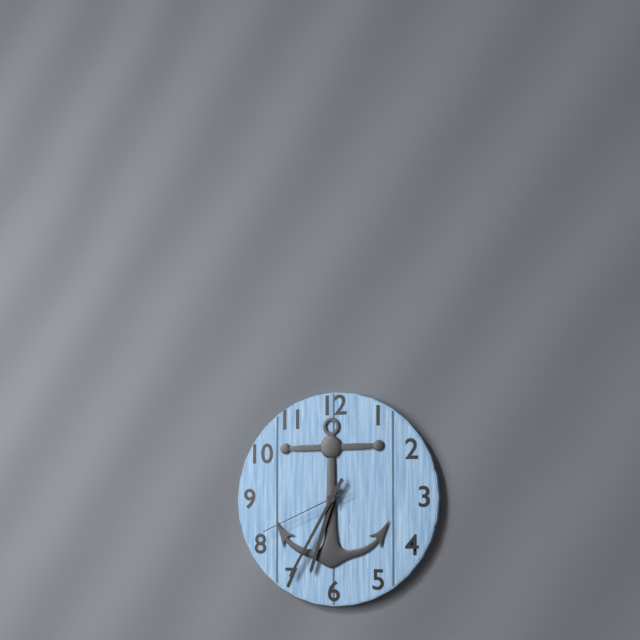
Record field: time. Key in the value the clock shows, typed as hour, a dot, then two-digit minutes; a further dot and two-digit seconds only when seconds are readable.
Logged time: 6.35.41
